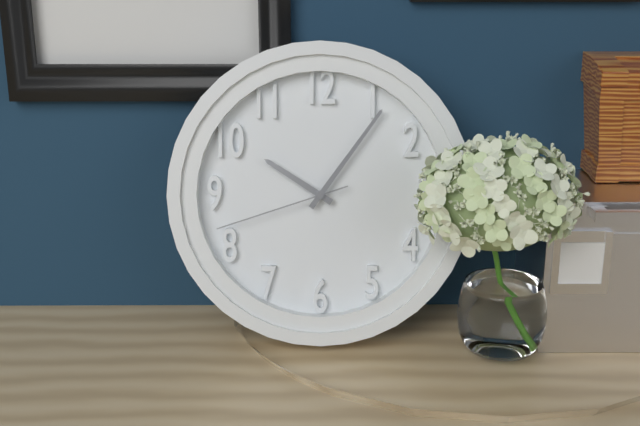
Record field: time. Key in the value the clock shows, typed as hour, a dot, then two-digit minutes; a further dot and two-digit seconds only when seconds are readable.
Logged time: 10.06.42
